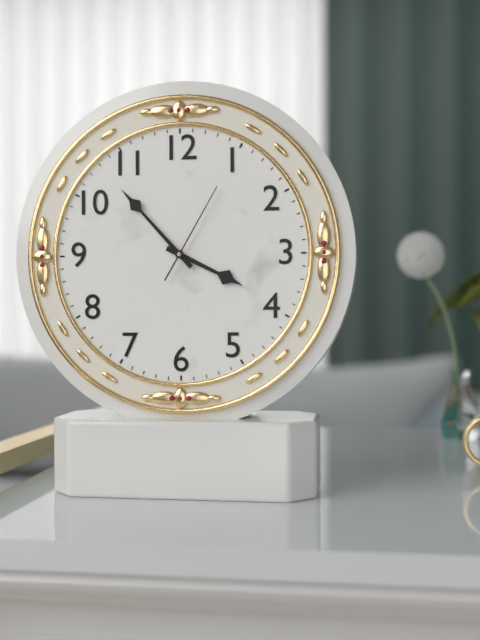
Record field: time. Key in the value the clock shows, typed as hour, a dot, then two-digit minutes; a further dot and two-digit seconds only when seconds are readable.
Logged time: 3.53.05
